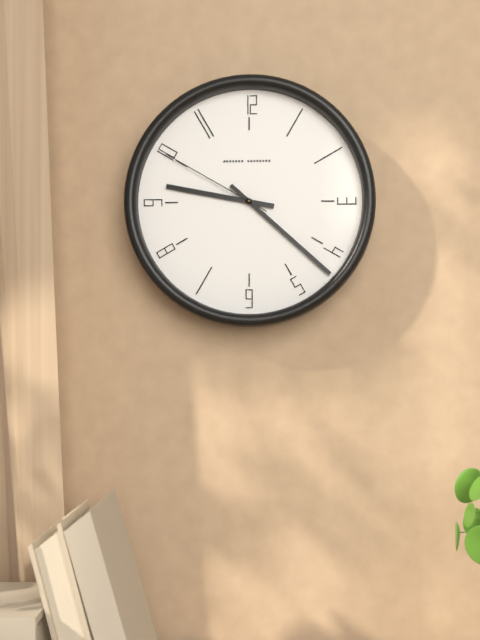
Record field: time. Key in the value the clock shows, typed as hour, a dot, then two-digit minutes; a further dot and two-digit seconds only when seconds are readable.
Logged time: 9.22.50
